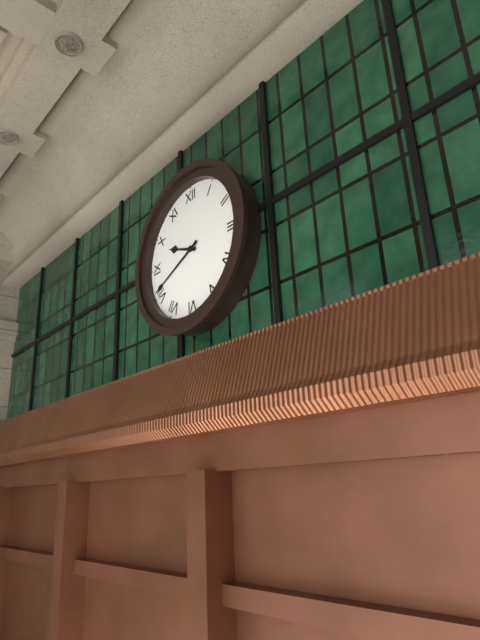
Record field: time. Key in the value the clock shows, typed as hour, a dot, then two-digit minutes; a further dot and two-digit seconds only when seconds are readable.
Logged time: 9.41
